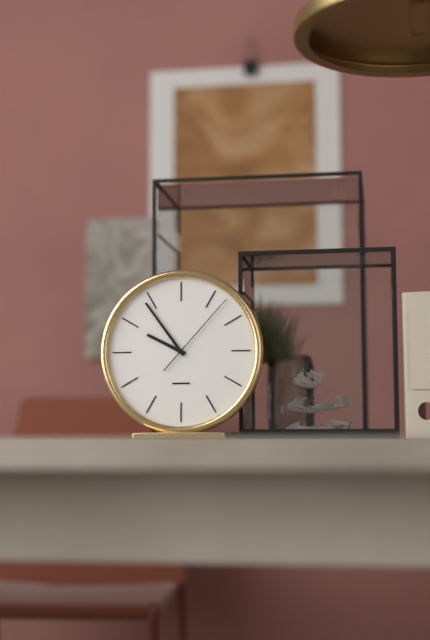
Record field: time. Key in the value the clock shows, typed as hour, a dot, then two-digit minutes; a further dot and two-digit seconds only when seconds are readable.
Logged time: 9.54.07
